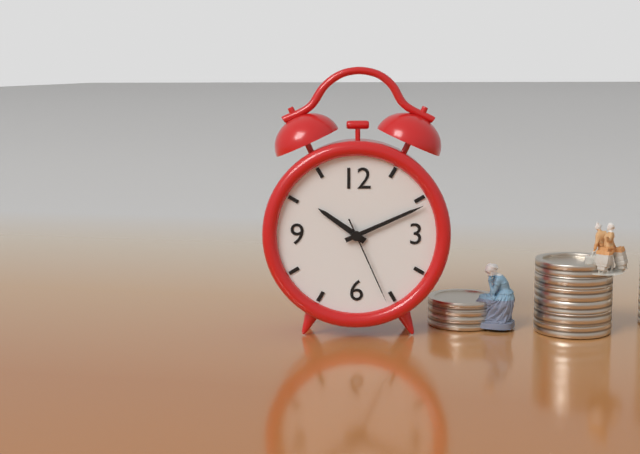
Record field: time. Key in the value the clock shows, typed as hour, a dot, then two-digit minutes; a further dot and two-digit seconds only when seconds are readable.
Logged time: 10.11.26
